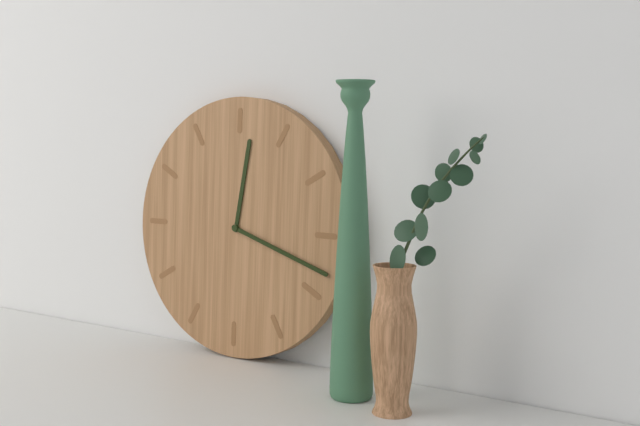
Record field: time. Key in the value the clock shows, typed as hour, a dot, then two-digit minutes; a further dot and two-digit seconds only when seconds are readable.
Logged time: 12.18
